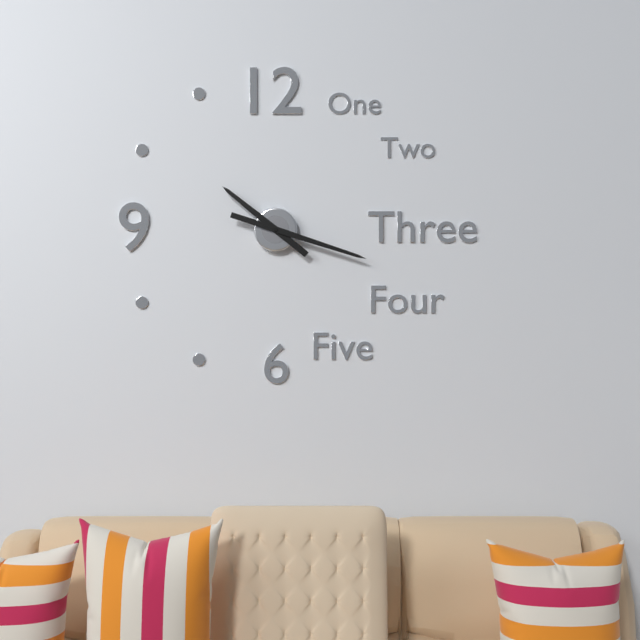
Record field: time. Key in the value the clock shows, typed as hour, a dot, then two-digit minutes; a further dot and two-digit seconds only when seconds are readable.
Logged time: 10.18
